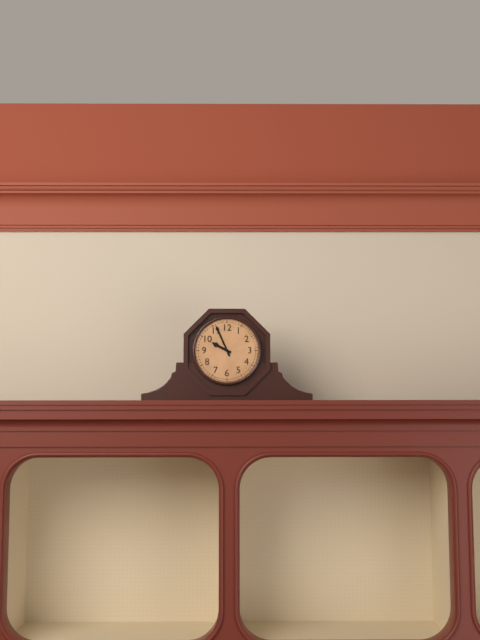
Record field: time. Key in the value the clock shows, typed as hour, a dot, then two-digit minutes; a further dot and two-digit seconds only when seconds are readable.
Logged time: 9.56
